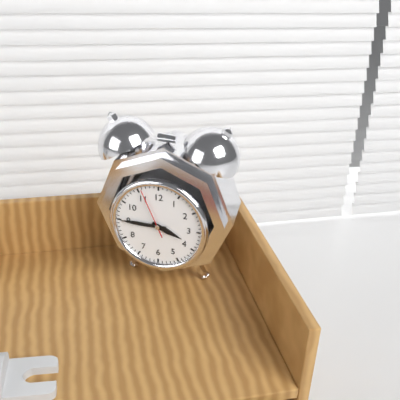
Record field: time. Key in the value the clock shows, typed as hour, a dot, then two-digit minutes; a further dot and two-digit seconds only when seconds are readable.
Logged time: 3.45.56
